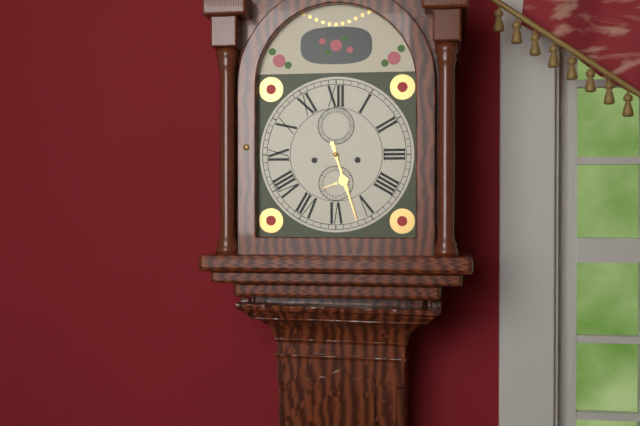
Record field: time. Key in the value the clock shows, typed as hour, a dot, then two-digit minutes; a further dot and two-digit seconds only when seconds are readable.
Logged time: 5.27
